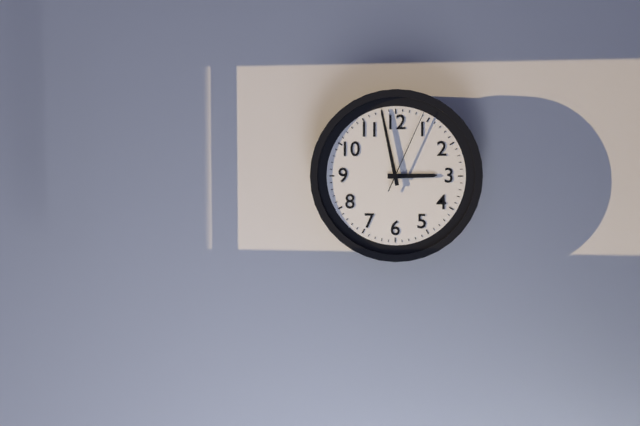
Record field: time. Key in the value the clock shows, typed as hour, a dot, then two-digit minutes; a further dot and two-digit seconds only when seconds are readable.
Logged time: 2.58.04
